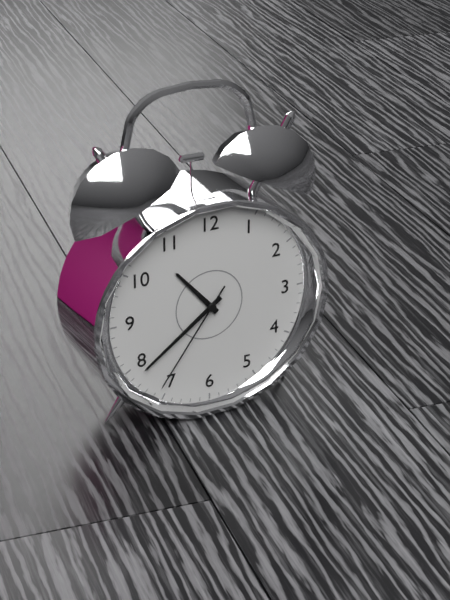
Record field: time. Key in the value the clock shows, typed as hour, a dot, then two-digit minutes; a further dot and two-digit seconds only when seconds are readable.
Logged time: 10.39.36
